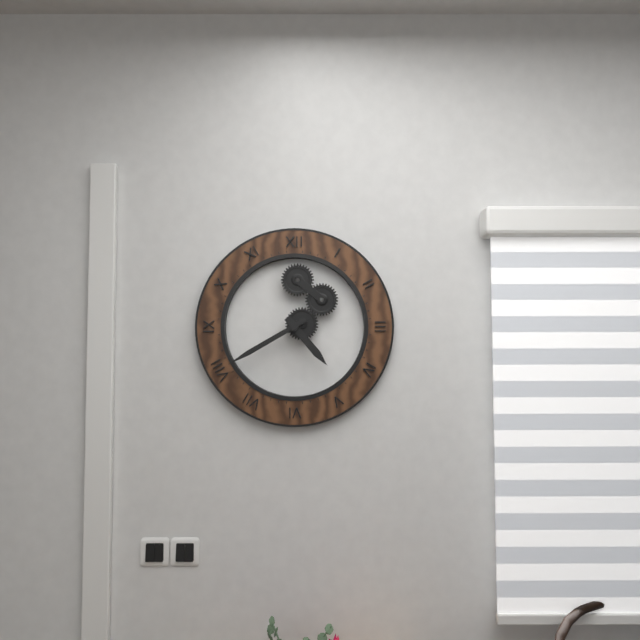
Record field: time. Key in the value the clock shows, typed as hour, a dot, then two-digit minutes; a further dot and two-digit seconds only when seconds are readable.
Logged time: 4.40
